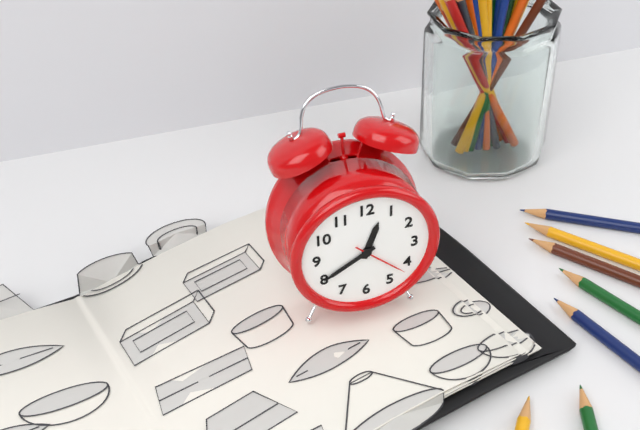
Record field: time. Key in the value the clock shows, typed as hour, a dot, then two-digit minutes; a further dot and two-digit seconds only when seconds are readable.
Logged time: 12.40.22
